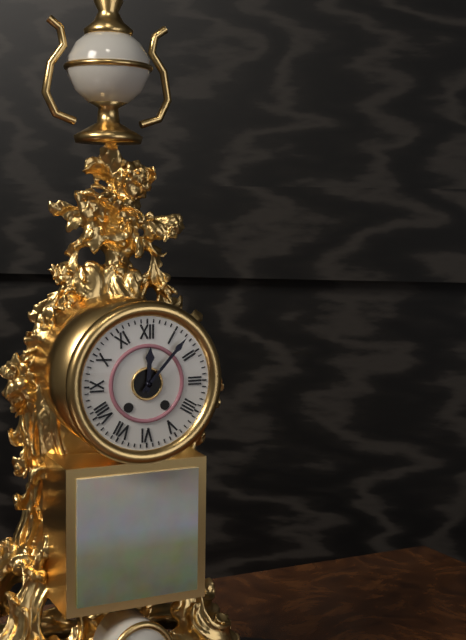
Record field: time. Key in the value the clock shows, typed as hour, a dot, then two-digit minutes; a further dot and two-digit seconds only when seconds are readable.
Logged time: 12.07
